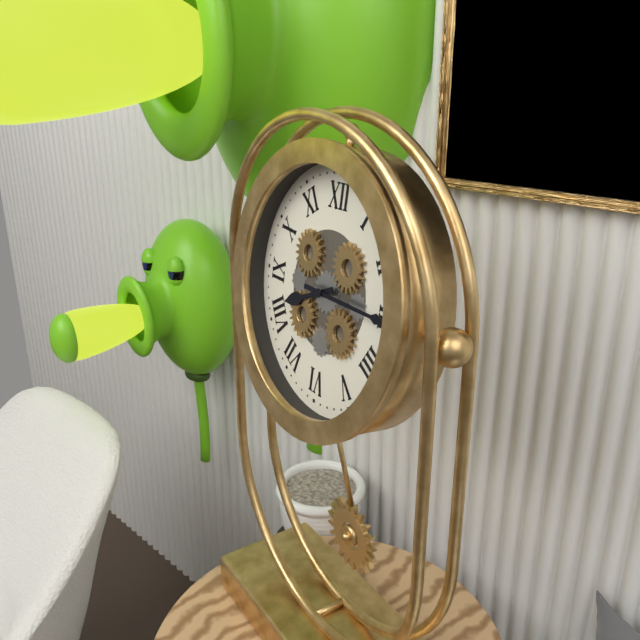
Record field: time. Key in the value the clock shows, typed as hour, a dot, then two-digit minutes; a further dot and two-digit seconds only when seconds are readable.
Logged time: 8.15
